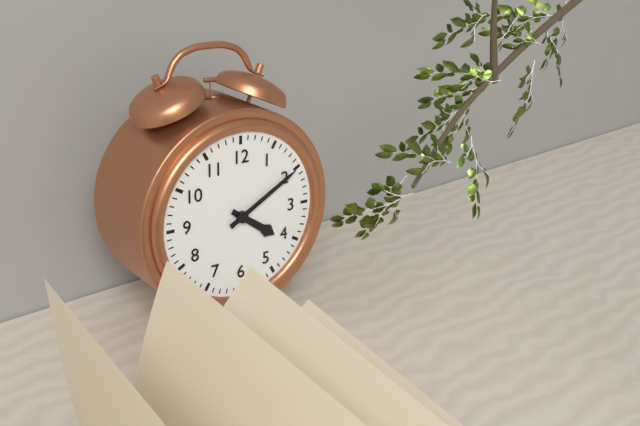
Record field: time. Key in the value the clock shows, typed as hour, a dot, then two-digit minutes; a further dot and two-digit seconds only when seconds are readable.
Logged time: 4.10
